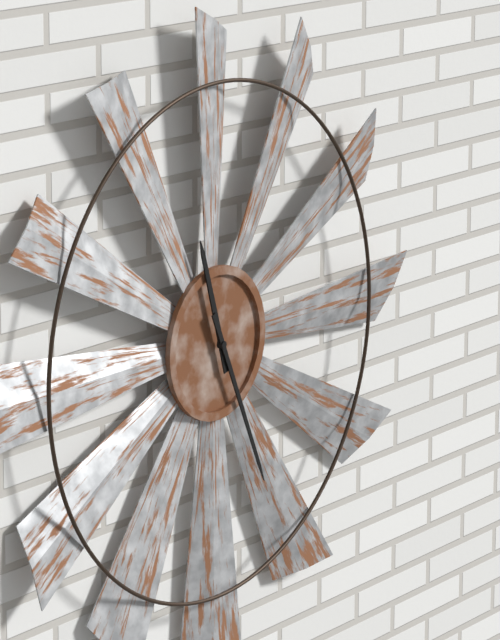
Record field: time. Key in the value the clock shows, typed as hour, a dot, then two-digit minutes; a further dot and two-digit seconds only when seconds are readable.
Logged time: 11.26
